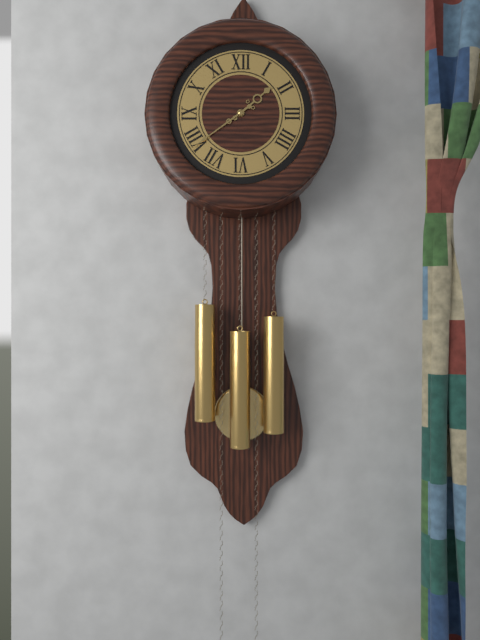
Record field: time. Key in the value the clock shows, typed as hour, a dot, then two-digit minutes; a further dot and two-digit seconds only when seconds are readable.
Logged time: 1.39
